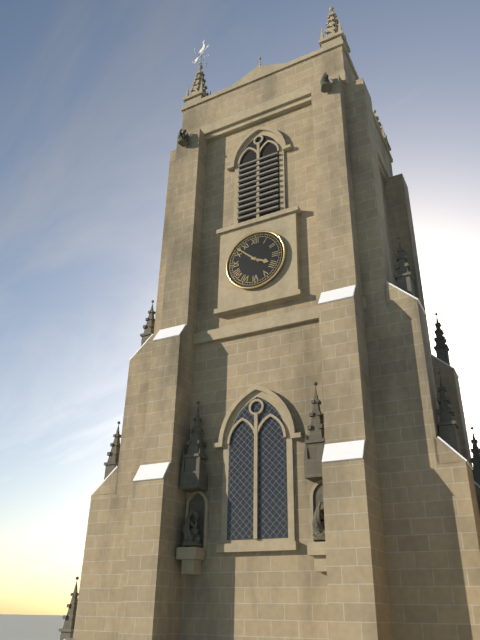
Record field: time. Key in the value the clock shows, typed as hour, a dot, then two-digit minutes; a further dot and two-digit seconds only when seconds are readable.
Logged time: 3.52
